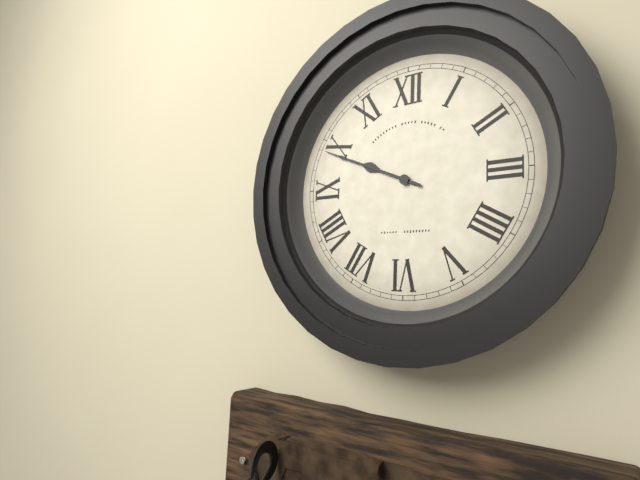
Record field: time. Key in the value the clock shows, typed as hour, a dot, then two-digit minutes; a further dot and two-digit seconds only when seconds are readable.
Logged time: 9.49
